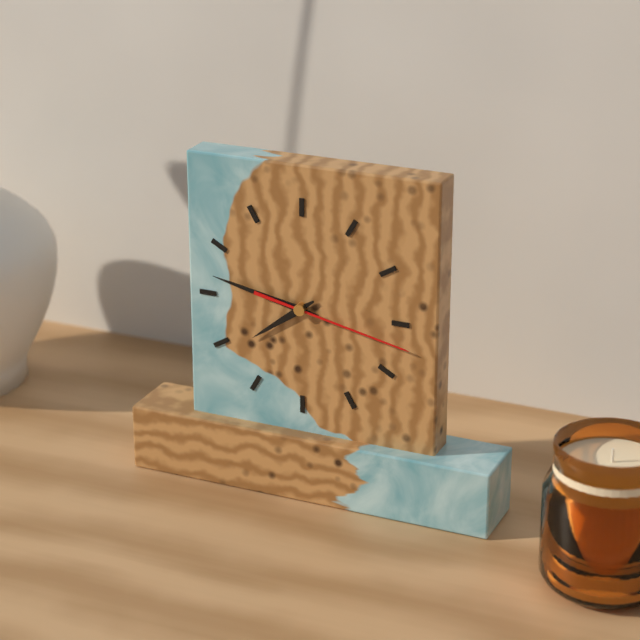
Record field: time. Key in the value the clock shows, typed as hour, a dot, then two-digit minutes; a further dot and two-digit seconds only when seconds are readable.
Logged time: 7.47.17
